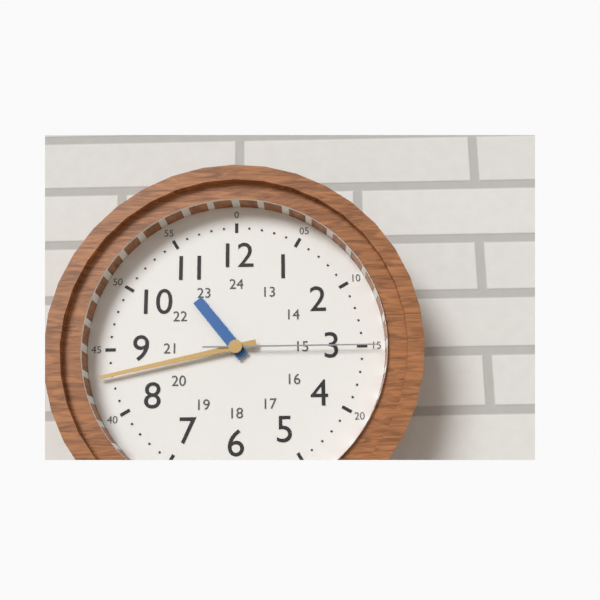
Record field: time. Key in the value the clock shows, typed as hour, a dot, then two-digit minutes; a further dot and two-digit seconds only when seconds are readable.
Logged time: 10.43.15
